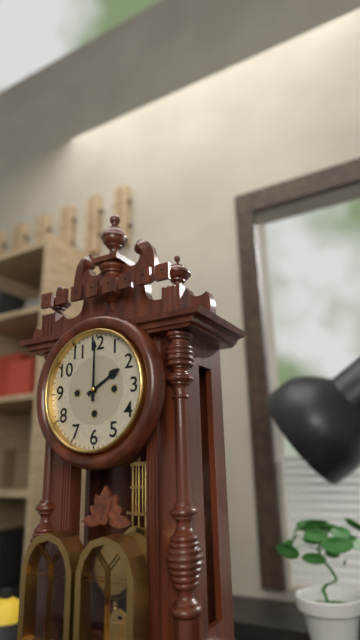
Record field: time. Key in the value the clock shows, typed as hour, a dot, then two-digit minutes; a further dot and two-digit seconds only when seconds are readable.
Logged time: 2.00
